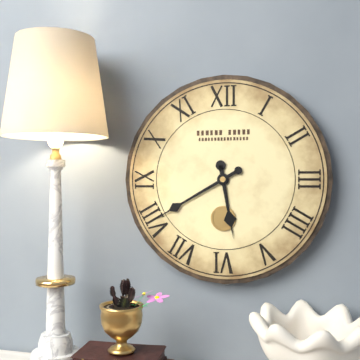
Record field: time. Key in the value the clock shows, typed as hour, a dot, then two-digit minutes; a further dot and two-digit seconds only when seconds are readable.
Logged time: 5.40
